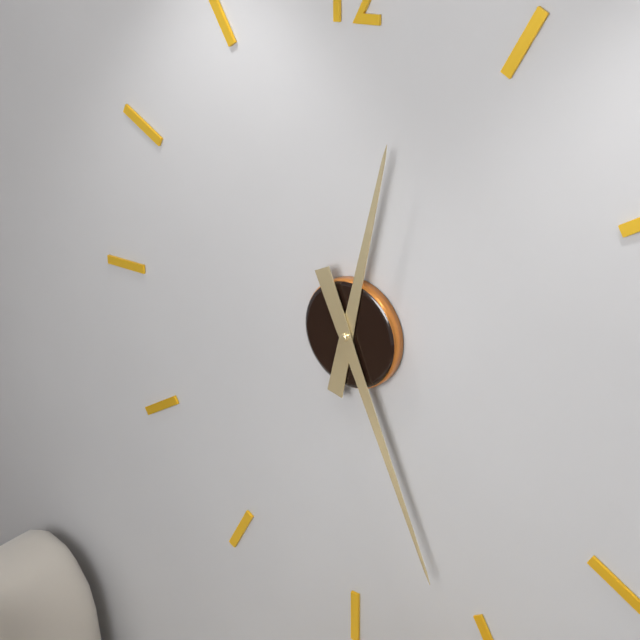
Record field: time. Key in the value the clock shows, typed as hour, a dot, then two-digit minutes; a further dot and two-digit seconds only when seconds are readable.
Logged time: 12.26
